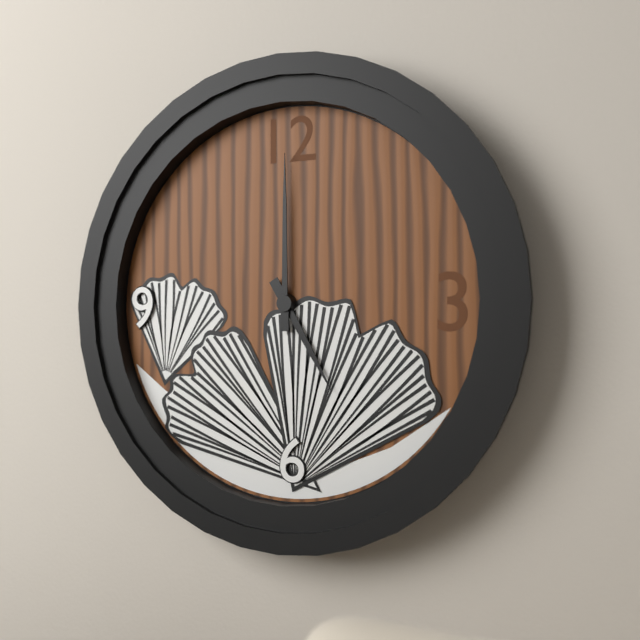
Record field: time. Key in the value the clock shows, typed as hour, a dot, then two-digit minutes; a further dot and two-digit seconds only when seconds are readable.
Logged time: 5.00
